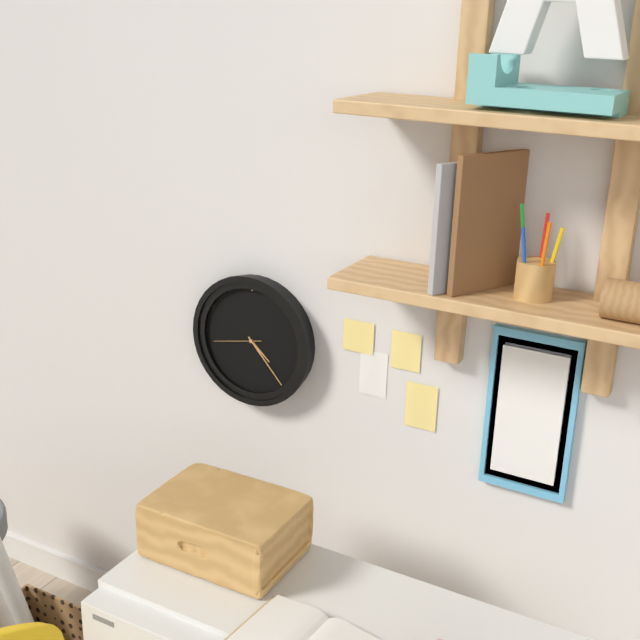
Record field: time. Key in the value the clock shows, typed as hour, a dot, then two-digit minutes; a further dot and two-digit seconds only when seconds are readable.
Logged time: 4.23
